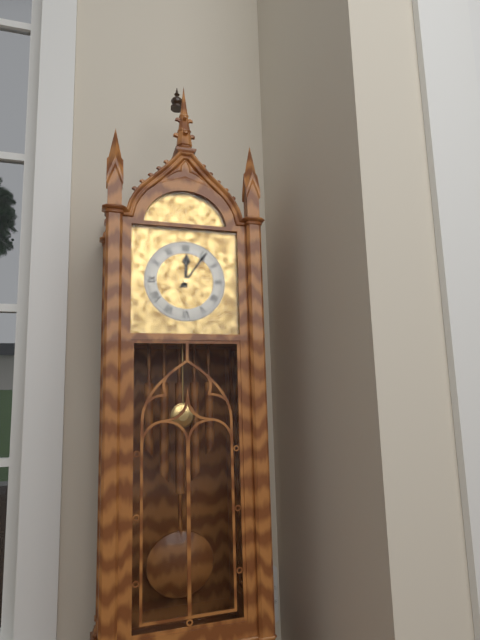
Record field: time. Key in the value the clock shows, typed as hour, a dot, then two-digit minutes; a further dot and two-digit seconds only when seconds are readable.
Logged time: 12.06
